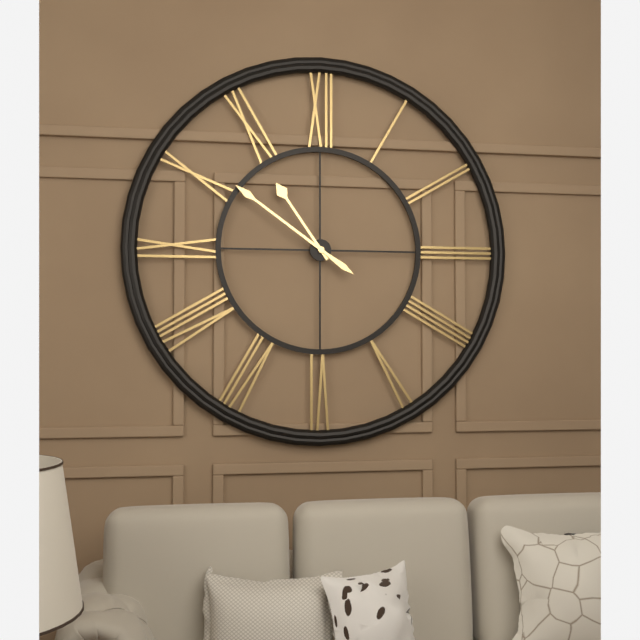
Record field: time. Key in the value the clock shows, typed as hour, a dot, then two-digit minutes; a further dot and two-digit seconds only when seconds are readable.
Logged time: 10.51
